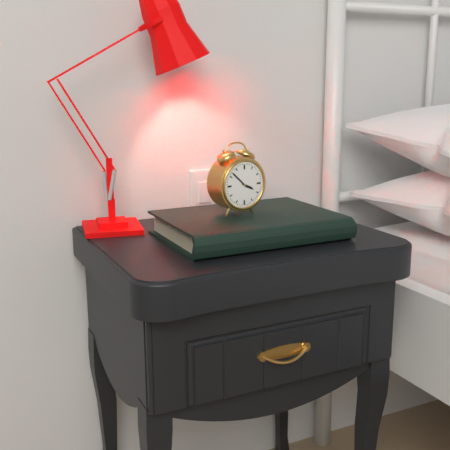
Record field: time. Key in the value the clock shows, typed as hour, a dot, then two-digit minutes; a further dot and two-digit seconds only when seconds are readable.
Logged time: 3.52
